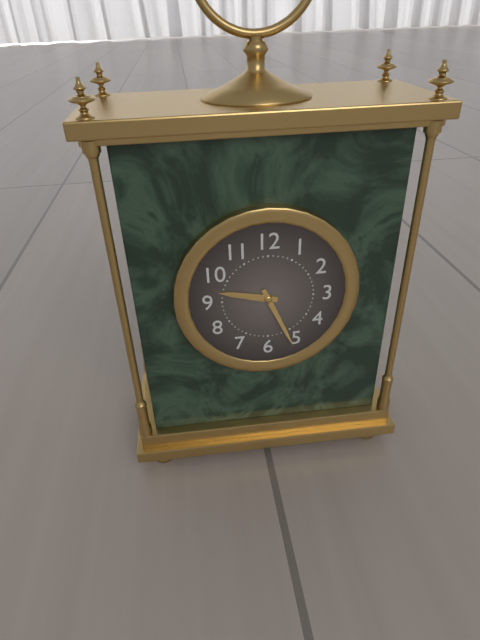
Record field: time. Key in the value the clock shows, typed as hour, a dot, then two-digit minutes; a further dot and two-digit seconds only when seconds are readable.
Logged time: 9.26
